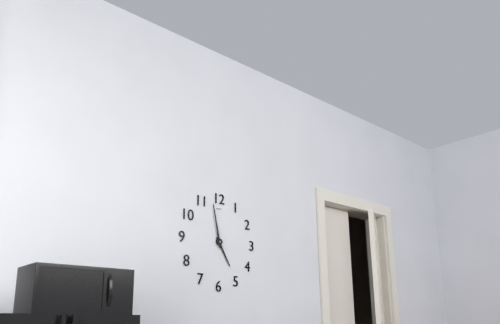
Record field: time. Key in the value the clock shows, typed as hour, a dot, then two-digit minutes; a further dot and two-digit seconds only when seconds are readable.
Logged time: 4.58
